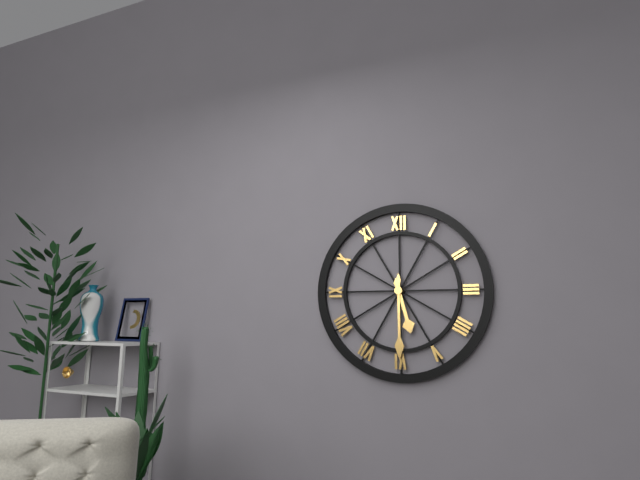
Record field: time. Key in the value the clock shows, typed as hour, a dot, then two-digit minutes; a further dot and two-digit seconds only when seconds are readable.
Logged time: 5.30
